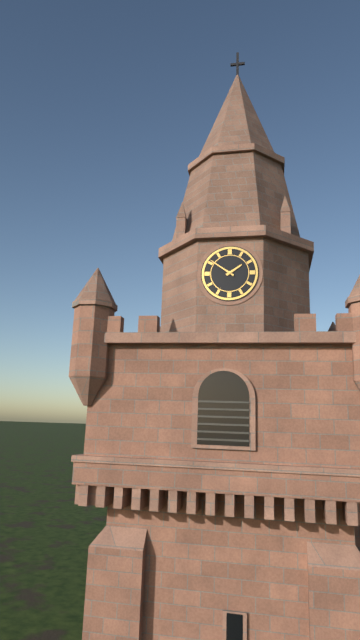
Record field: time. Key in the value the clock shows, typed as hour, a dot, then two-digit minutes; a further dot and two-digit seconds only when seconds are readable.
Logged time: 1.51
